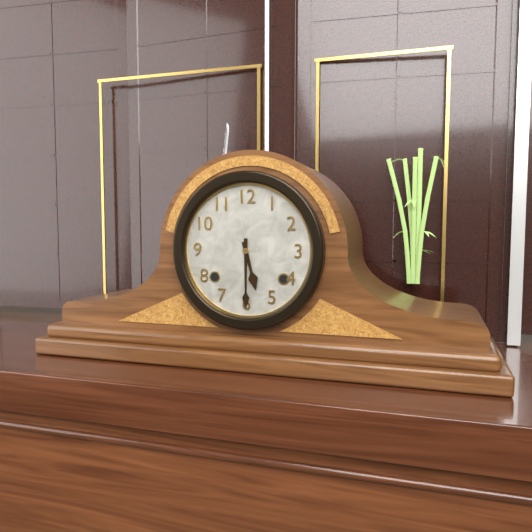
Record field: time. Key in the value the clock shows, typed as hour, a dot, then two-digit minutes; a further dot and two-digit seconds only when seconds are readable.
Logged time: 5.30
